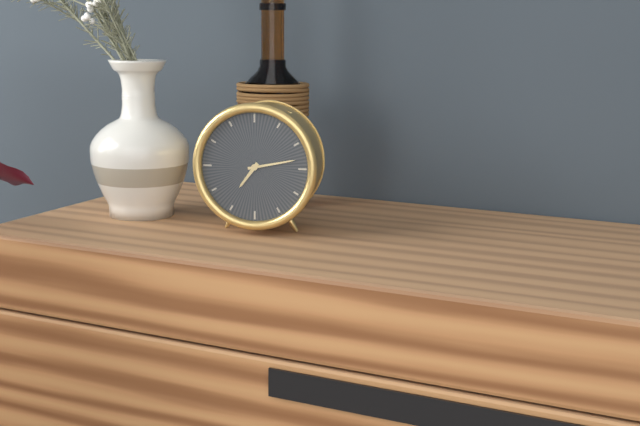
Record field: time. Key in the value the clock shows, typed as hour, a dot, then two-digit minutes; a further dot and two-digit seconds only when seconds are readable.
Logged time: 7.13
